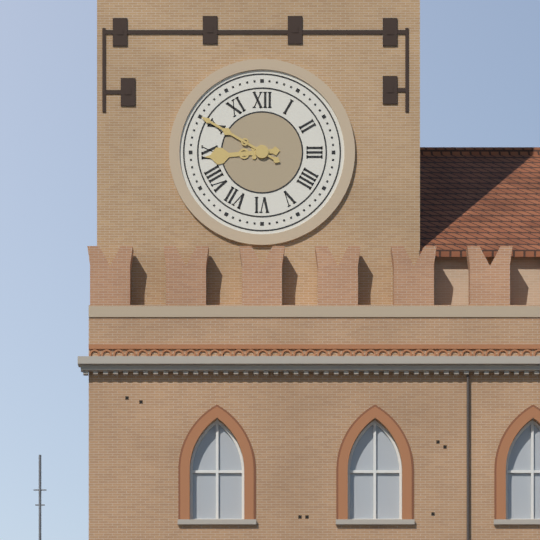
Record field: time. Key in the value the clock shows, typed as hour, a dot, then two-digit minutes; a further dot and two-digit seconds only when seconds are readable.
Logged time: 8.50
